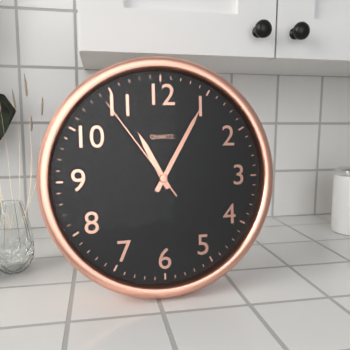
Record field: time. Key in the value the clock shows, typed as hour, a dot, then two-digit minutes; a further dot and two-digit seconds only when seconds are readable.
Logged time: 11.05.54
